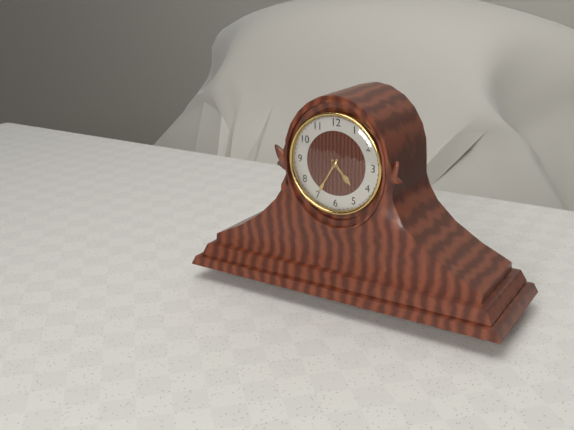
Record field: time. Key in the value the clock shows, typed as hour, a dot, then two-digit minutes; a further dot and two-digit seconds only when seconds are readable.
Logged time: 4.35
